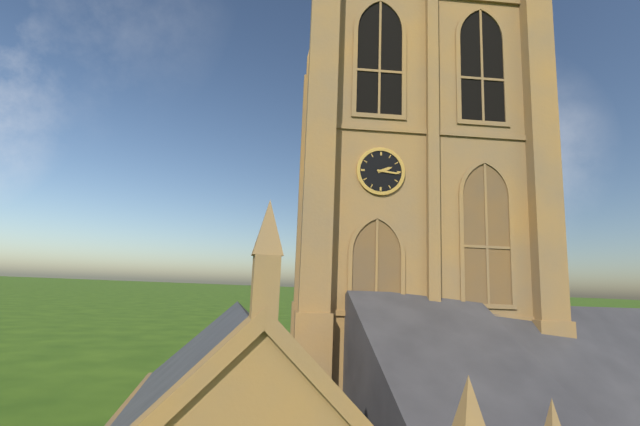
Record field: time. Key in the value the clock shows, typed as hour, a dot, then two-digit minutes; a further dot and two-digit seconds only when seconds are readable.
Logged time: 2.16
